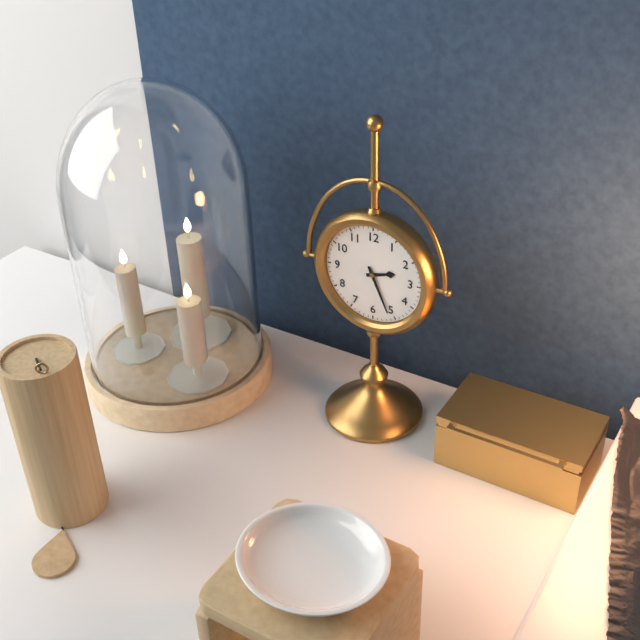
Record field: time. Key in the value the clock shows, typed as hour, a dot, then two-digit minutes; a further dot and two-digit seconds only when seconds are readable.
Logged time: 2.26
